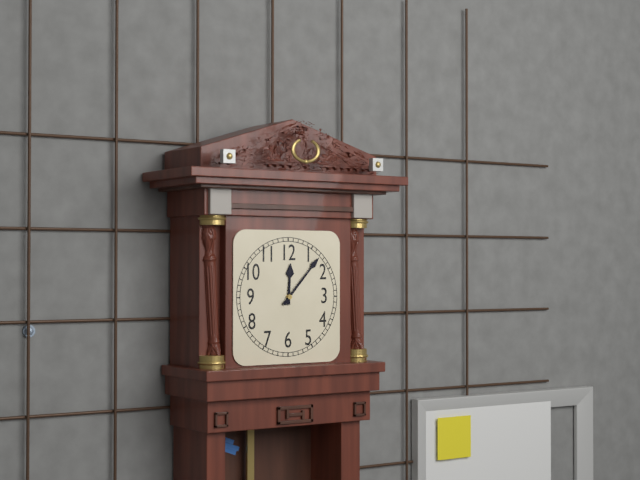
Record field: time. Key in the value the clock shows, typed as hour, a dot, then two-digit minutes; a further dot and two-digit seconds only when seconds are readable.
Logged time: 12.07
